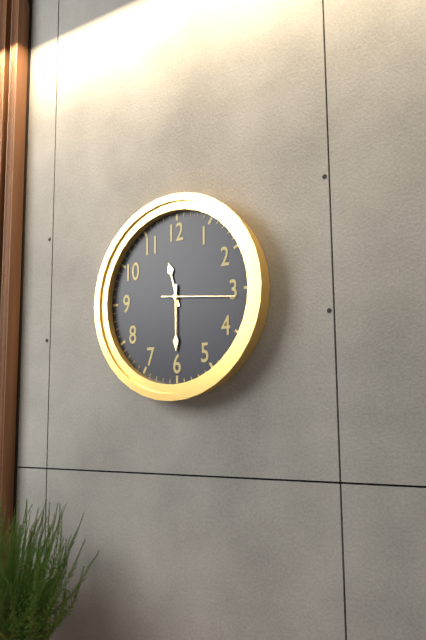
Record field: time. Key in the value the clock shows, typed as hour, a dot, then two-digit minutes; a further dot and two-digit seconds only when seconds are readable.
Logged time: 11.30.16
